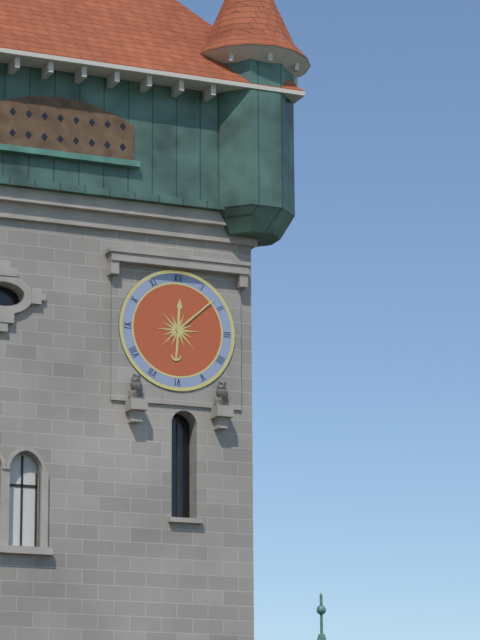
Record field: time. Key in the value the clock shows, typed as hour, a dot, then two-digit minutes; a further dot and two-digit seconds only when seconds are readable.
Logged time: 12.08
